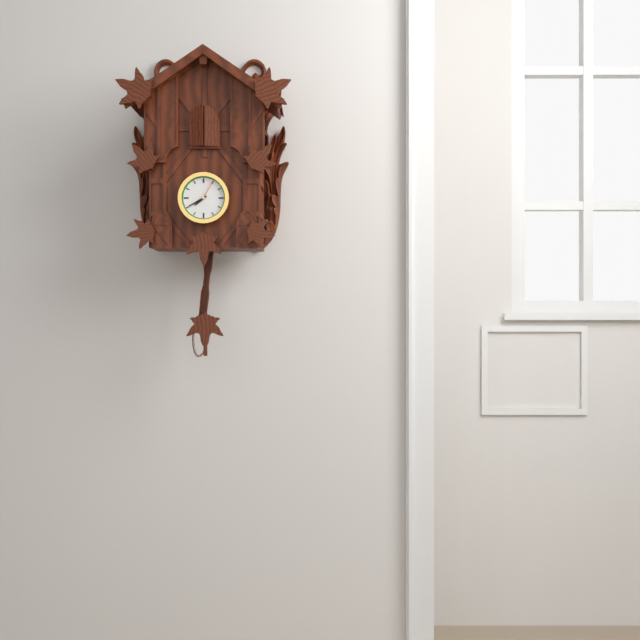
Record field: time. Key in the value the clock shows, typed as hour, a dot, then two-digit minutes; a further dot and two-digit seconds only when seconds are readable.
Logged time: 7.40
